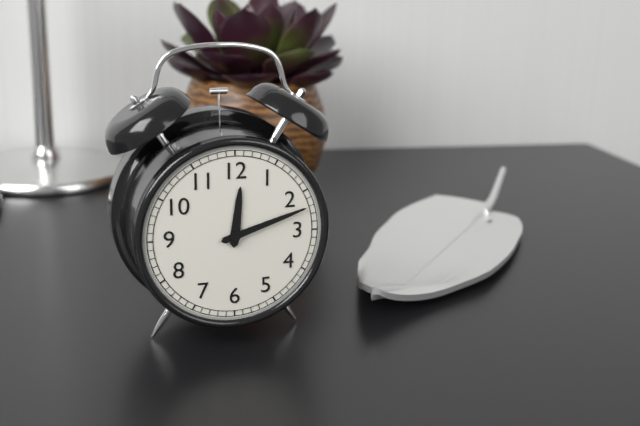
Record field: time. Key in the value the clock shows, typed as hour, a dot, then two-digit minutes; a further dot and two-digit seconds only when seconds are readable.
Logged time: 12.12
